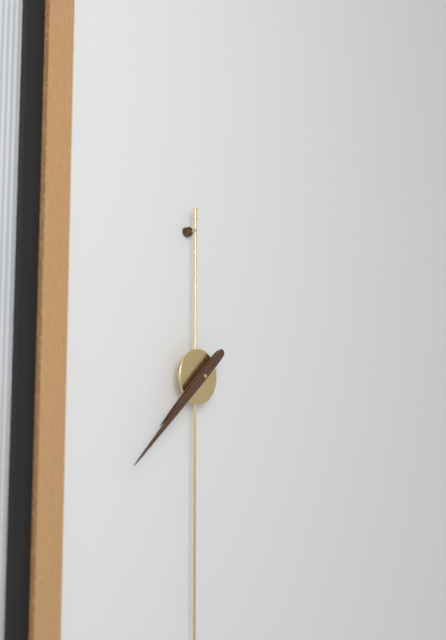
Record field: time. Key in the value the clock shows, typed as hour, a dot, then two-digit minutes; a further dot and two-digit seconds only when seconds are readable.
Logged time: 7.38
